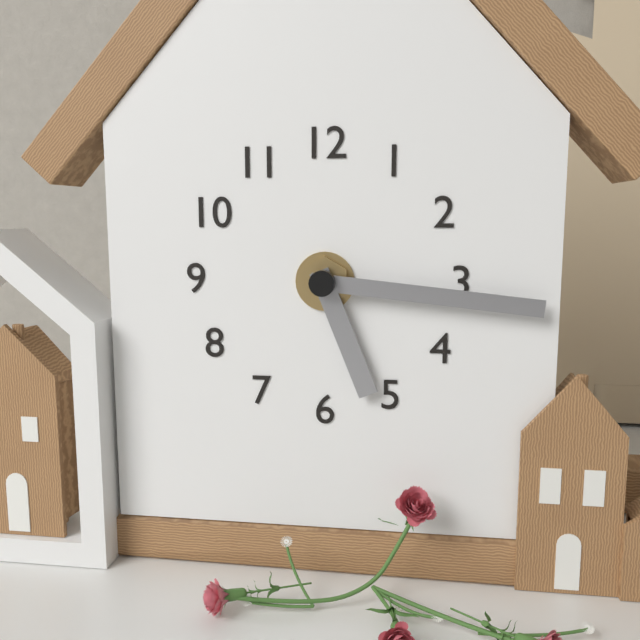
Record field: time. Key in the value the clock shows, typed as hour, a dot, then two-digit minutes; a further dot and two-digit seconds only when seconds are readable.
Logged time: 5.16
